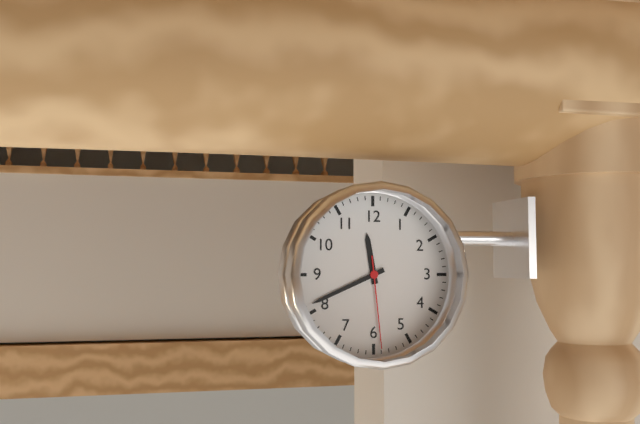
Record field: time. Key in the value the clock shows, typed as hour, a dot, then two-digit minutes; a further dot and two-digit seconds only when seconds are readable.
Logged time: 11.41.29
